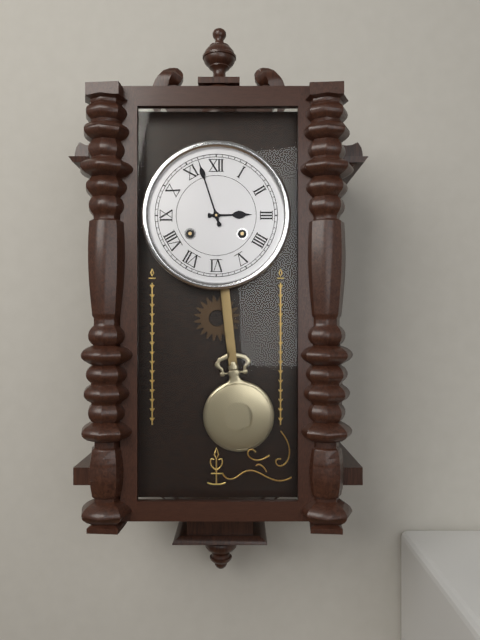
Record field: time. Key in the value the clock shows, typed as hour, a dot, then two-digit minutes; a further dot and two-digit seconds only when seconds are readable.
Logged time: 2.57
